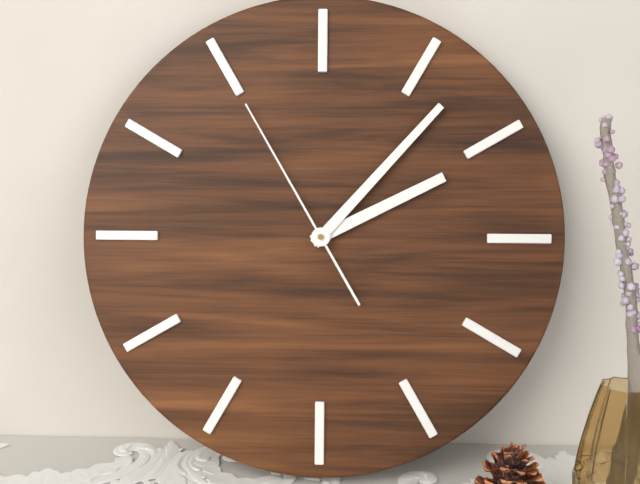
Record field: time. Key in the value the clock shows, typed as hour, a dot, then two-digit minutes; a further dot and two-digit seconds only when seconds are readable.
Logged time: 2.07.55
